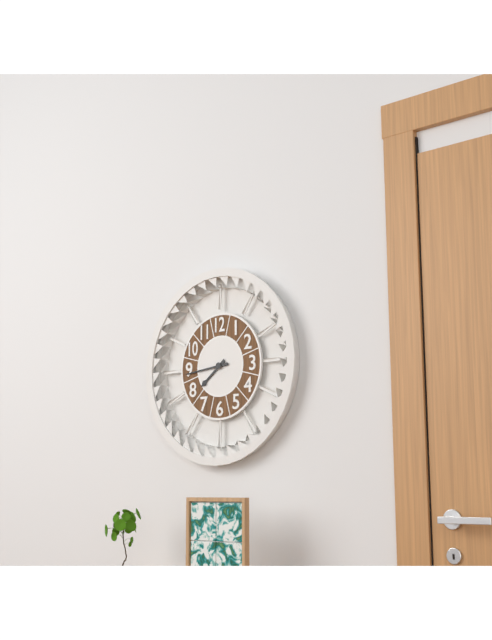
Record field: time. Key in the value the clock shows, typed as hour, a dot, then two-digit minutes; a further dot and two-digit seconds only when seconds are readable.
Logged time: 7.44
